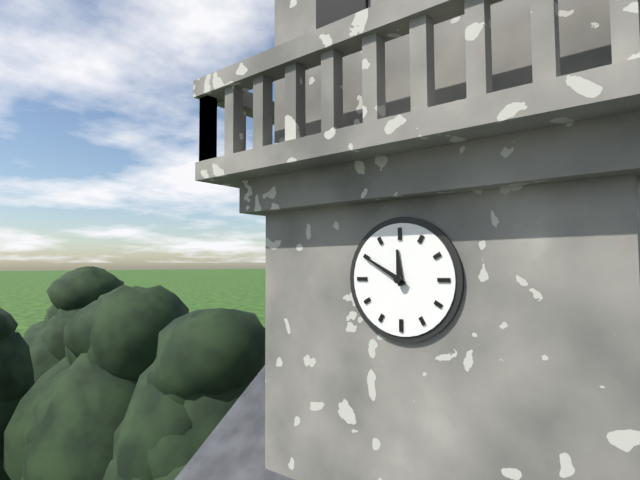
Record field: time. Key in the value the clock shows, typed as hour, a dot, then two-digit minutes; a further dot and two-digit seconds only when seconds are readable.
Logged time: 11.50
